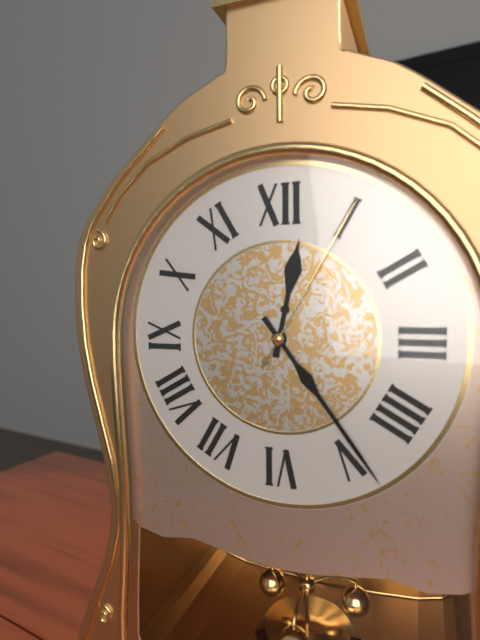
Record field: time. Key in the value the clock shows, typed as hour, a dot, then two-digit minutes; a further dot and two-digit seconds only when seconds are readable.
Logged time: 12.24.05
